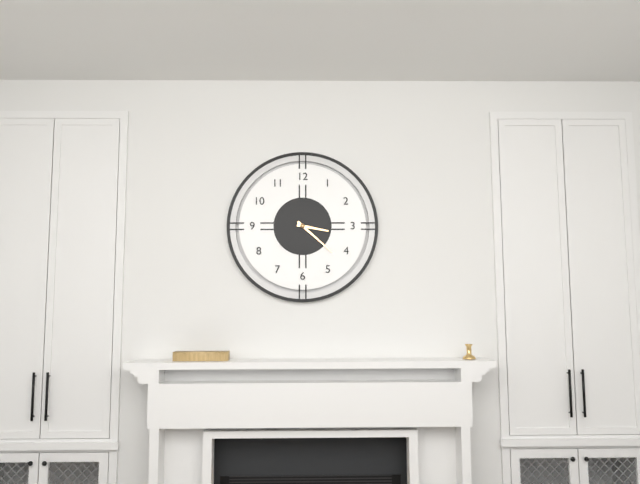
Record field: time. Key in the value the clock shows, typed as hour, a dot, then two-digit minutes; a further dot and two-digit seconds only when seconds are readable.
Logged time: 3.22
